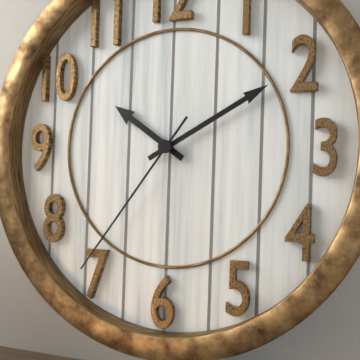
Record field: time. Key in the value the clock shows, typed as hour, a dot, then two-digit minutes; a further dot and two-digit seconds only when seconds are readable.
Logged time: 10.10.36
